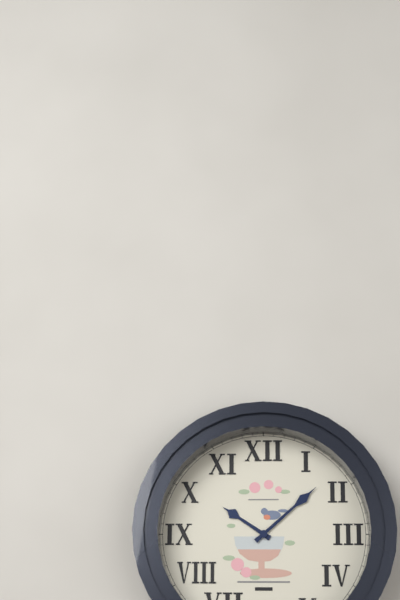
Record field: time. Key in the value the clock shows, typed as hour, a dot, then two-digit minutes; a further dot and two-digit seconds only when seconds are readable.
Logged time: 10.08
